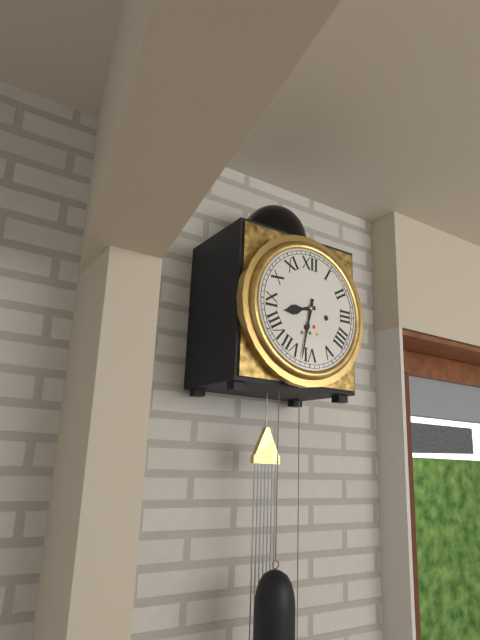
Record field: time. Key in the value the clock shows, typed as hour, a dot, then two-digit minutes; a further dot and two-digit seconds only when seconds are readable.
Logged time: 8.32
